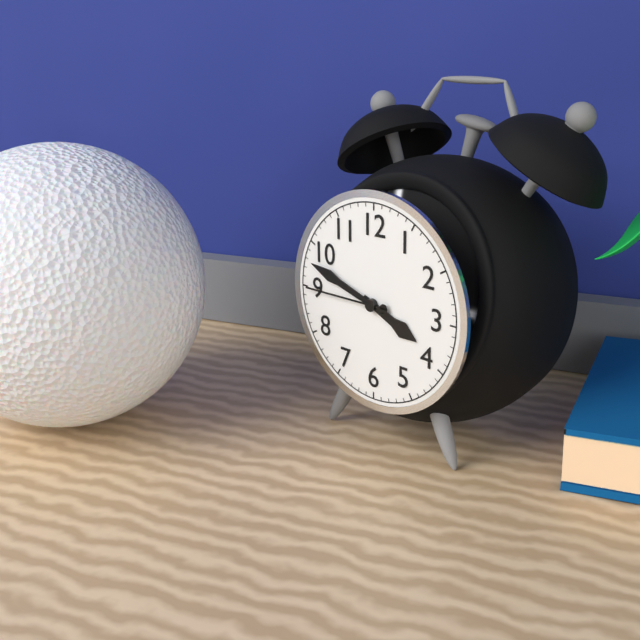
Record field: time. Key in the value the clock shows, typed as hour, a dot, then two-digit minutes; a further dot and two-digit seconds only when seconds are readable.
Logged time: 3.48.45
